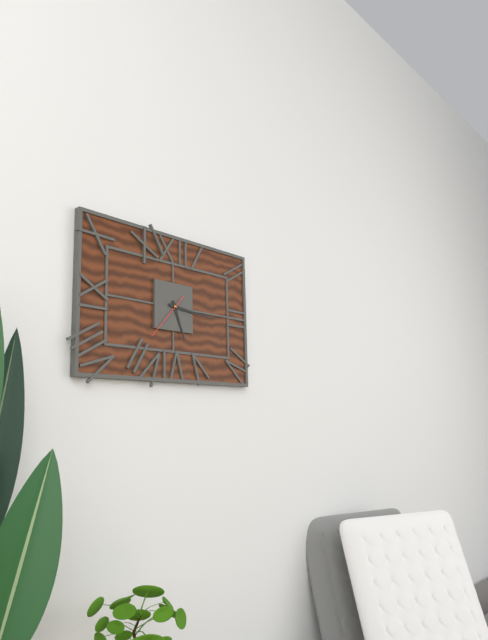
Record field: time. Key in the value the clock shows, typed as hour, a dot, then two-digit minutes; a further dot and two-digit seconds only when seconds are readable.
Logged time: 5.16
